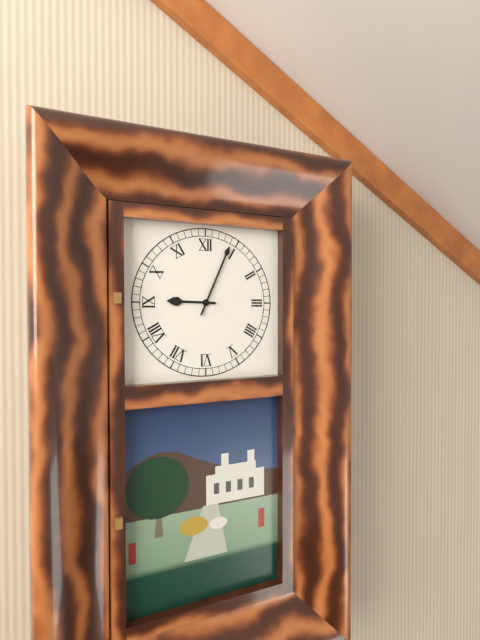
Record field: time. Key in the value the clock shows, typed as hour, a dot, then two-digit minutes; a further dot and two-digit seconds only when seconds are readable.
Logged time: 9.04
